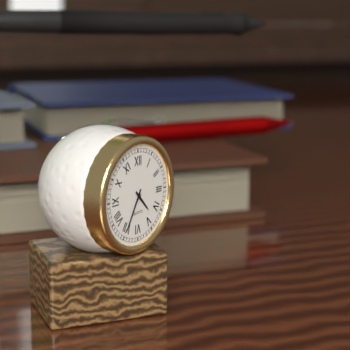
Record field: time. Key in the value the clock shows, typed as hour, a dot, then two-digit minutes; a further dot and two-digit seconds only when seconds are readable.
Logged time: 4.35
